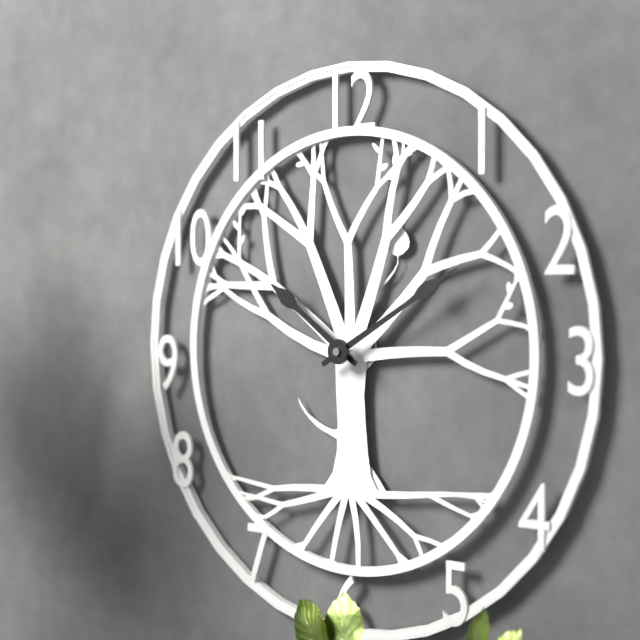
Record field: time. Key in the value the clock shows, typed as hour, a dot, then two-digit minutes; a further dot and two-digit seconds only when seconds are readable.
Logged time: 10.10
